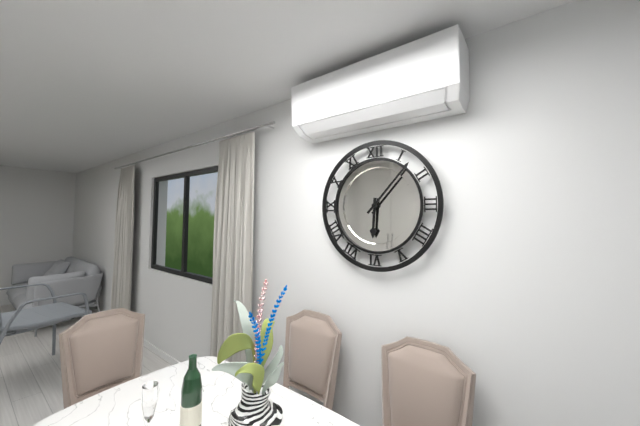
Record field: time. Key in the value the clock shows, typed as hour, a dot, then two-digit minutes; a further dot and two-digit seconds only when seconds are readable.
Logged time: 6.07
